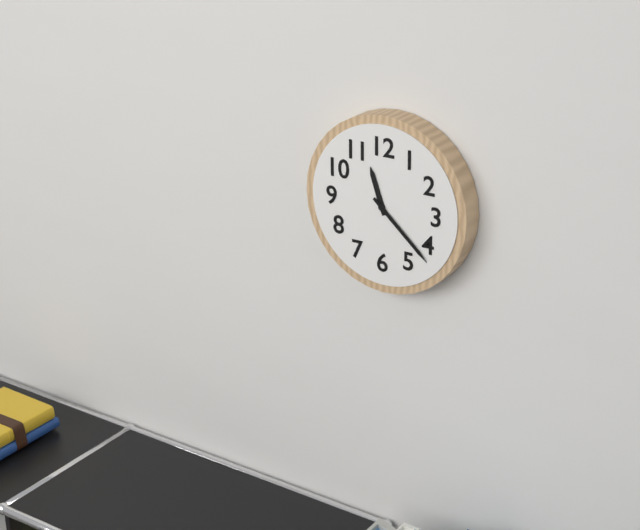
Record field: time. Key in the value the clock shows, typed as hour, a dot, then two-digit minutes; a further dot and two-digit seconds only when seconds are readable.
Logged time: 11.22
